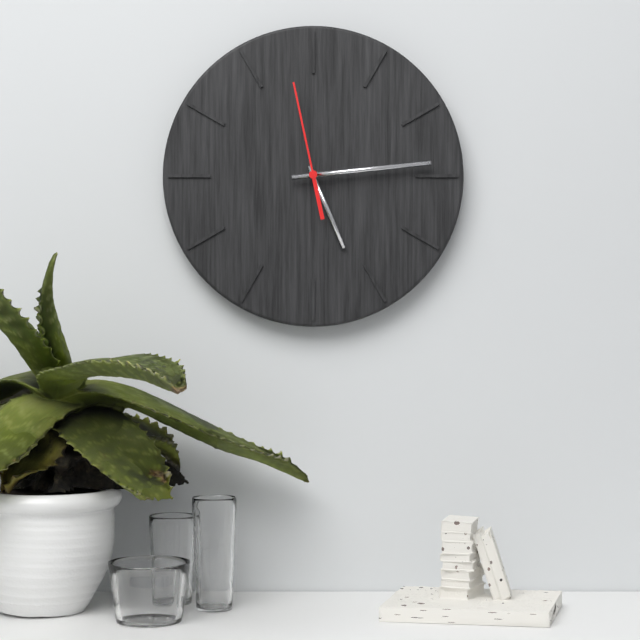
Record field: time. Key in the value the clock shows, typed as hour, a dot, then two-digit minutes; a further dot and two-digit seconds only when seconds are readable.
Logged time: 5.14.58
